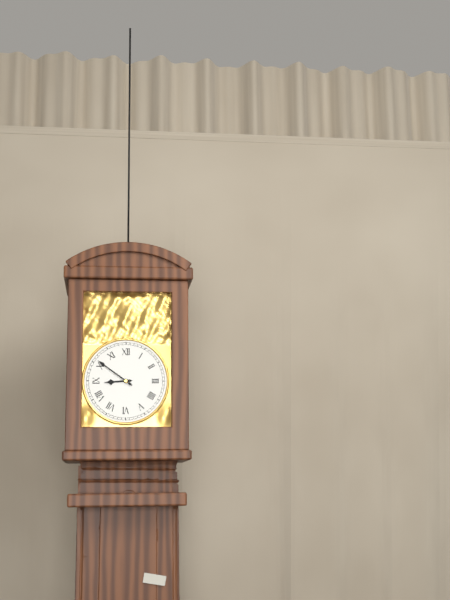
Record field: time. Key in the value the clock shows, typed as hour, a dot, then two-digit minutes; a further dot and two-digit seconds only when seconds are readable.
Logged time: 8.51
